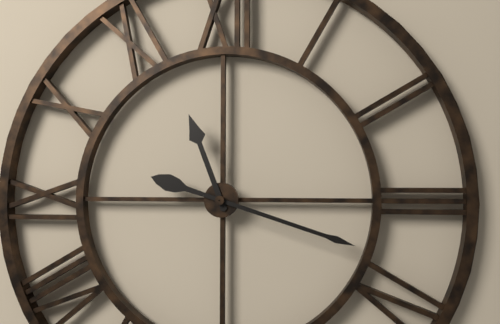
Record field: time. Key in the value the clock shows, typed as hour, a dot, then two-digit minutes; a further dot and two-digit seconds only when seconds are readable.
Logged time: 11.18
